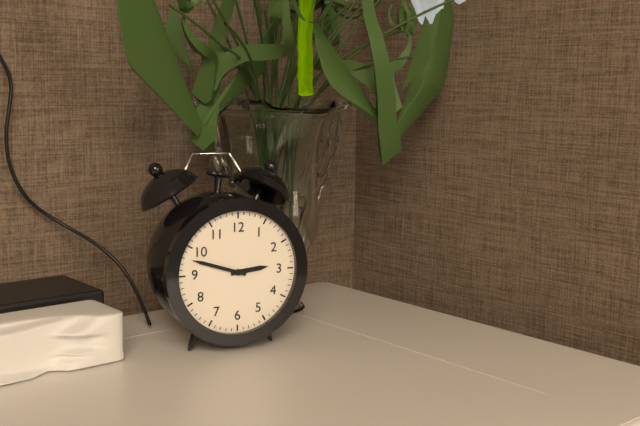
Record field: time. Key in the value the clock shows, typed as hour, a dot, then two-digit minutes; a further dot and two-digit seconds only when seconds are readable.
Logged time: 2.48
